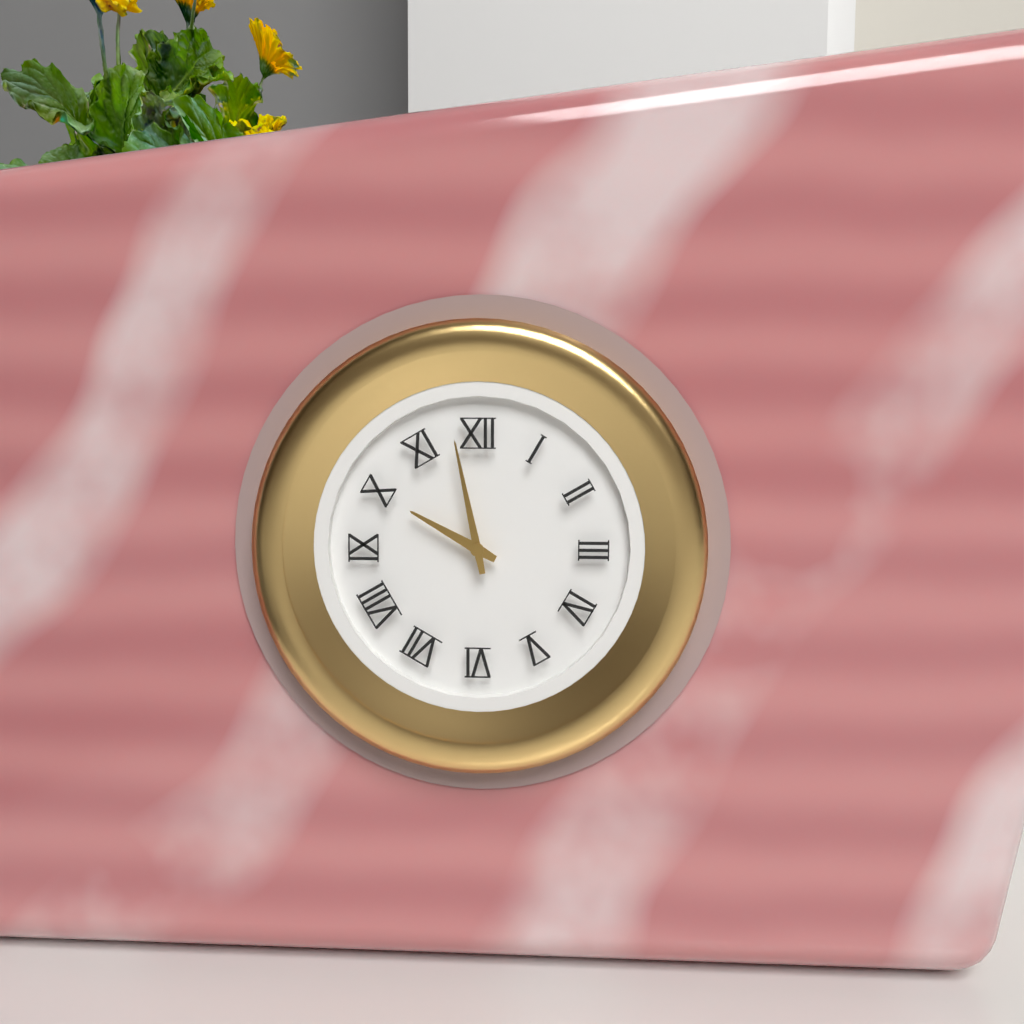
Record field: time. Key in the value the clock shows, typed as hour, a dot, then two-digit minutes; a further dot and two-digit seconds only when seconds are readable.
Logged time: 9.58
